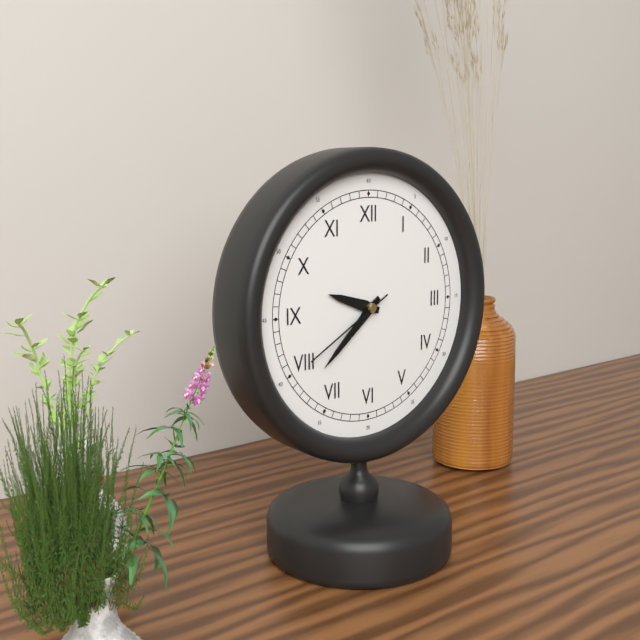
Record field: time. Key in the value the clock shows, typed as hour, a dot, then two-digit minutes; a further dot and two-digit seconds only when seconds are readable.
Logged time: 9.38.40
